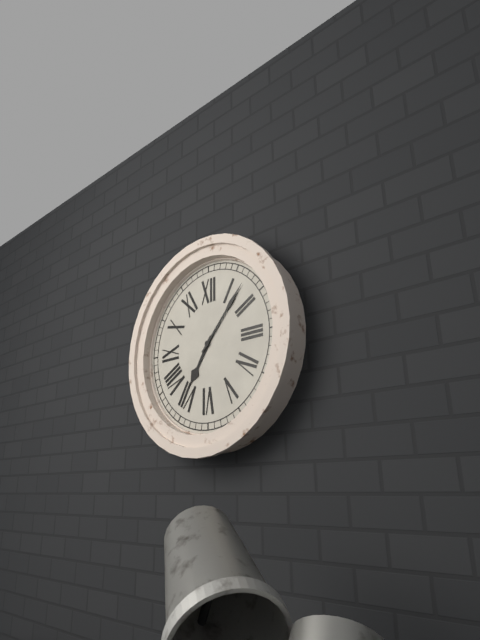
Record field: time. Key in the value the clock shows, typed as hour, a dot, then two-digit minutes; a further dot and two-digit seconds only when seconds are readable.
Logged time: 7.07
